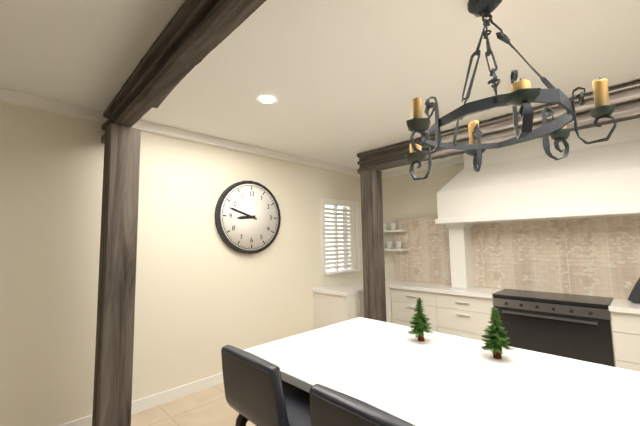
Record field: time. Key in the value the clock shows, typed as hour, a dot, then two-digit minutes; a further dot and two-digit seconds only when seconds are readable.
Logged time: 8.48
